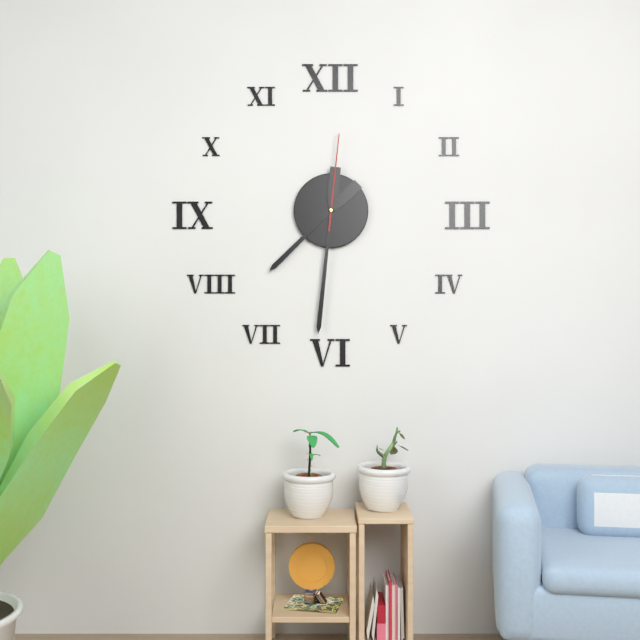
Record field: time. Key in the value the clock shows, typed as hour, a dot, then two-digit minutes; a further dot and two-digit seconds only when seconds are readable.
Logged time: 7.31.01
